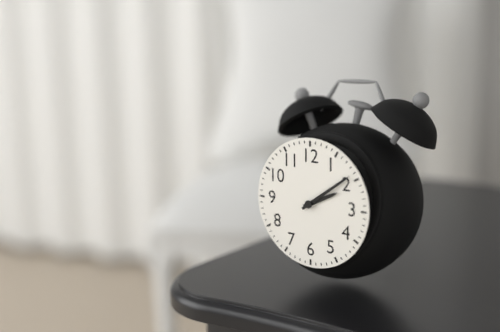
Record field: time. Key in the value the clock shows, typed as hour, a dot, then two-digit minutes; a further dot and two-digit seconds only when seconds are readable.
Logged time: 2.09
